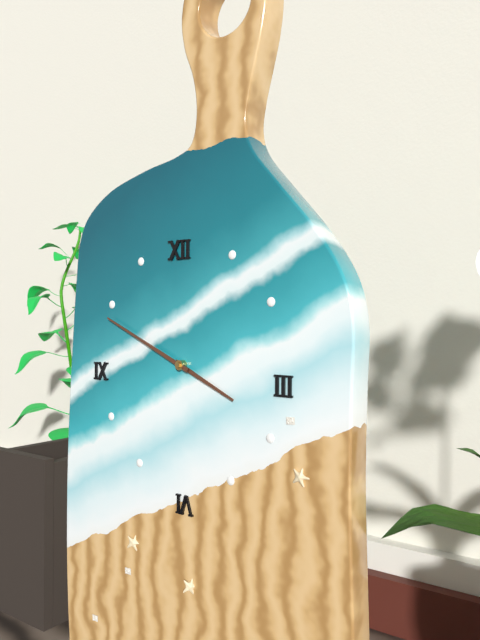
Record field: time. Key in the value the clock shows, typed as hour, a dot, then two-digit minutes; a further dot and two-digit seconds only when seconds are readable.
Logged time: 3.49
